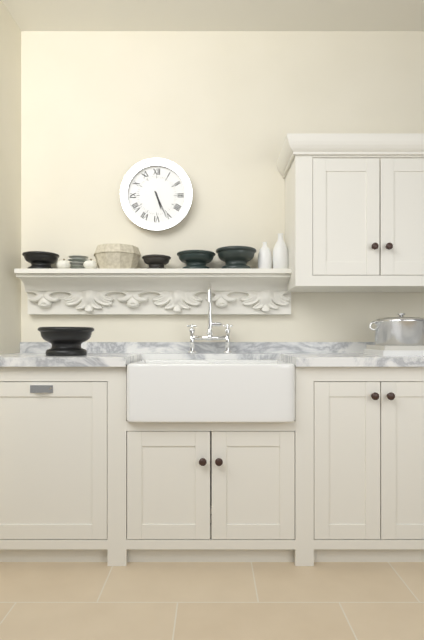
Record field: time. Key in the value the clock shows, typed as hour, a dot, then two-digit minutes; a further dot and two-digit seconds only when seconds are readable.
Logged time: 5.26
